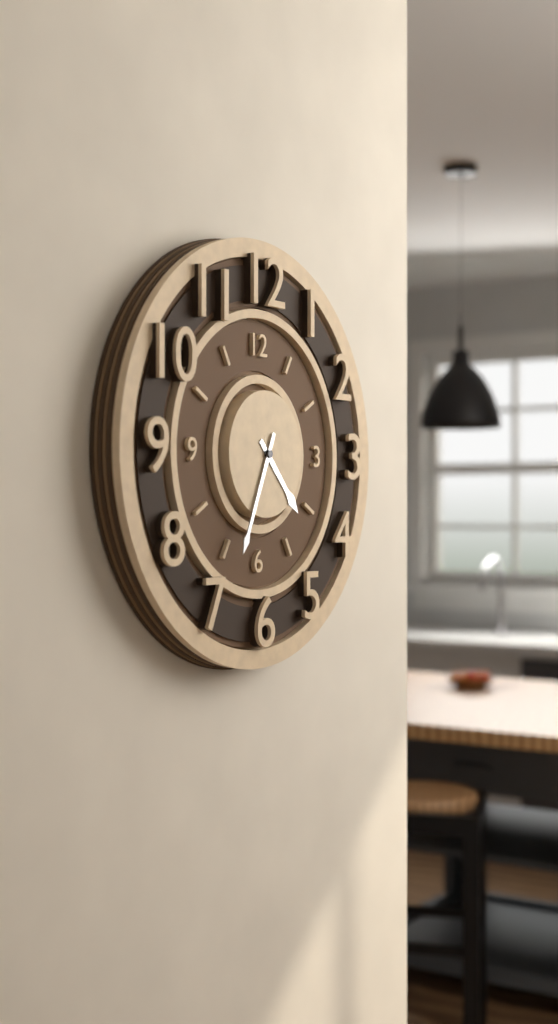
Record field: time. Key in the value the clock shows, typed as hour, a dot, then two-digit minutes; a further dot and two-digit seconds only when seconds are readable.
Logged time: 4.34
